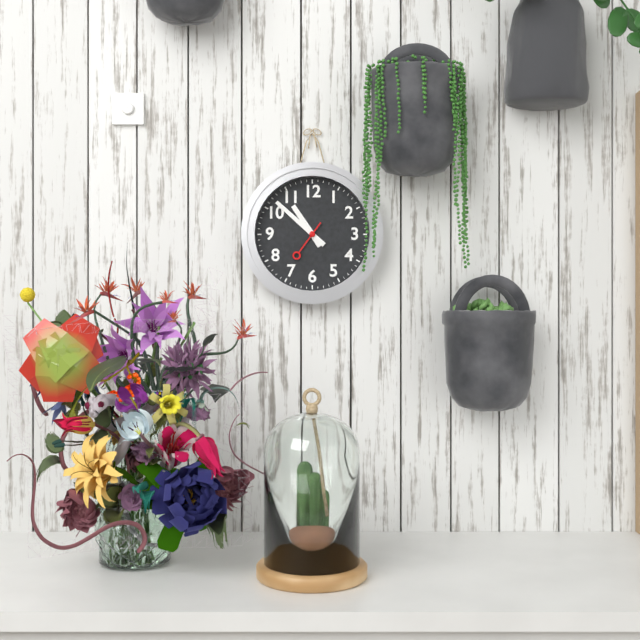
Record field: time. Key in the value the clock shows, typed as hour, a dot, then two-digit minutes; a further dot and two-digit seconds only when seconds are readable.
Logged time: 10.52
